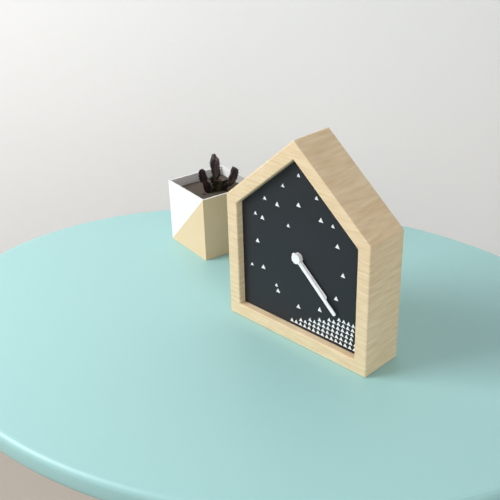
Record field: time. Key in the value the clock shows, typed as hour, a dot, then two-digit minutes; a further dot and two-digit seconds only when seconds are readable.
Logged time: 4.22
